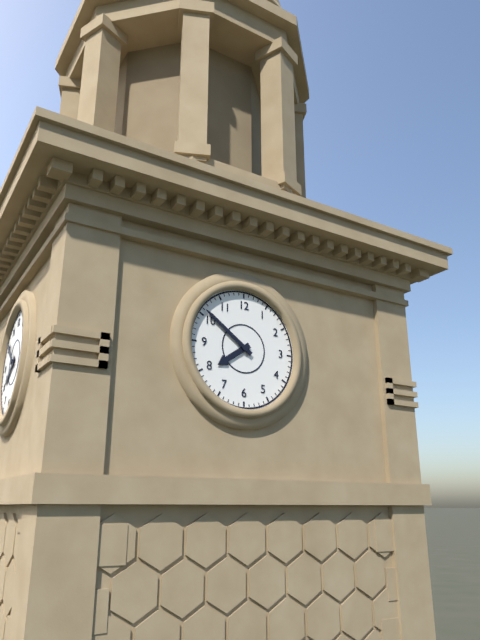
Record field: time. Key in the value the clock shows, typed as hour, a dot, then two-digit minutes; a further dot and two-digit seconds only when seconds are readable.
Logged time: 7.51
